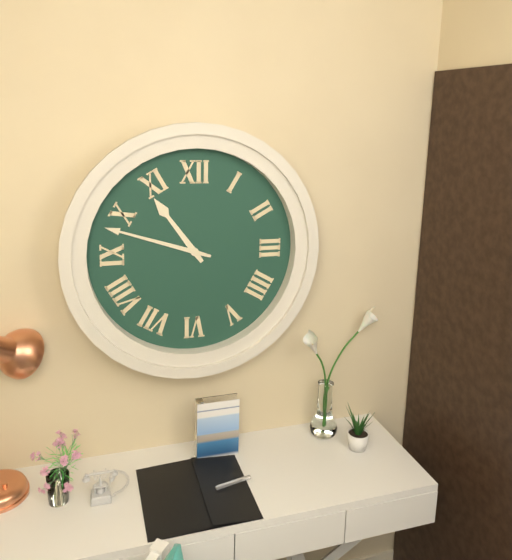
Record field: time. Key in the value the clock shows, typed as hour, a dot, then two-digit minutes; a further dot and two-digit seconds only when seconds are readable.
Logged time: 10.48
